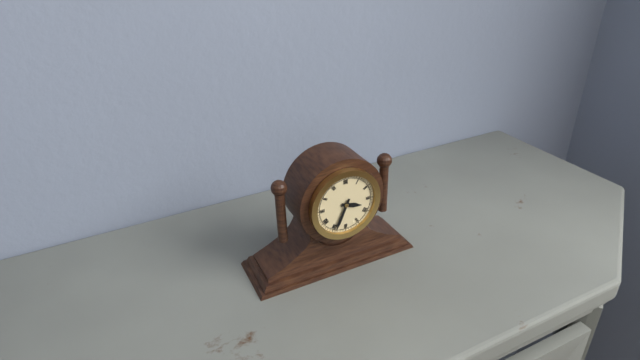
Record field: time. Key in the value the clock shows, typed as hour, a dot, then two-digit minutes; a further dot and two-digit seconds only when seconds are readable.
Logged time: 3.34
